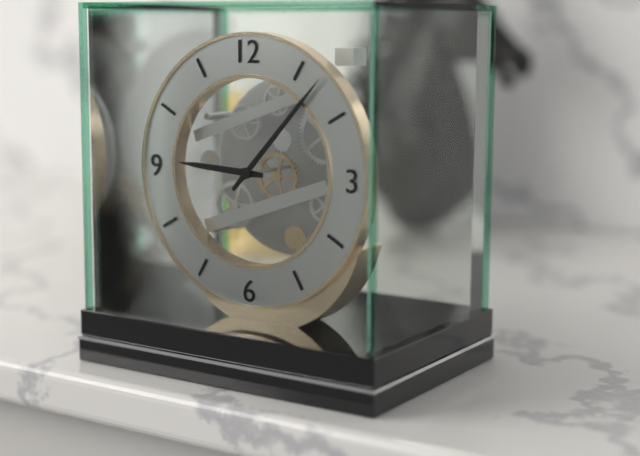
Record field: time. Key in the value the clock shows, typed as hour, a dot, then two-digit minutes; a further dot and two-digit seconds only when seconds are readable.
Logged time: 9.07
